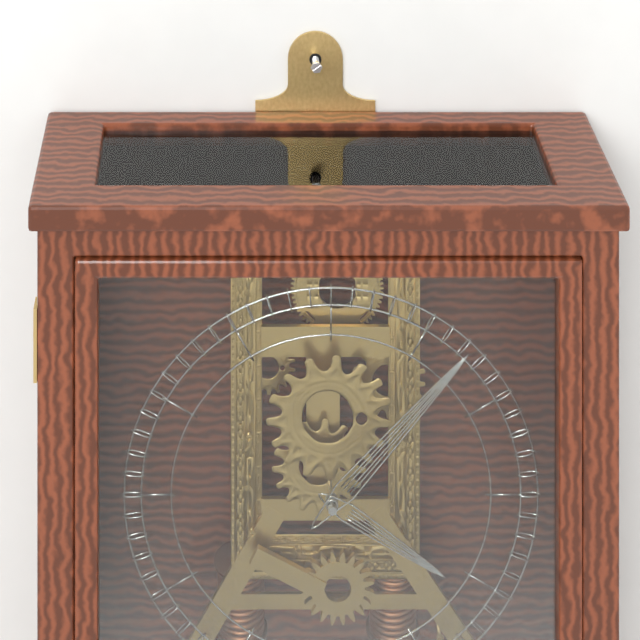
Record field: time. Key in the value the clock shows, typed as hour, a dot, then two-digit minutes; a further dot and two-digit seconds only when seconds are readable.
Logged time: 4.07
